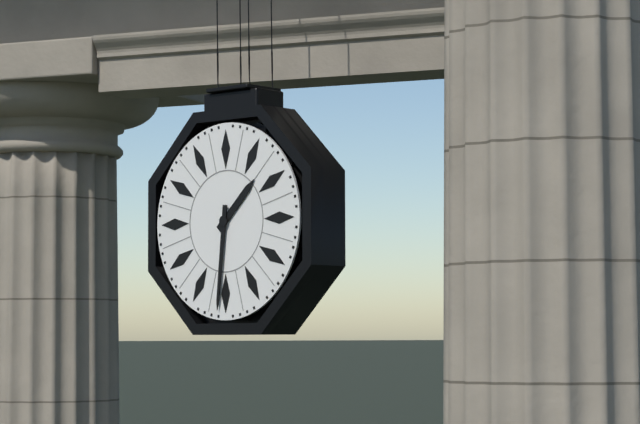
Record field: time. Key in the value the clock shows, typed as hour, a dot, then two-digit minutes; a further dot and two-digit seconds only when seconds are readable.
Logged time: 1.31
